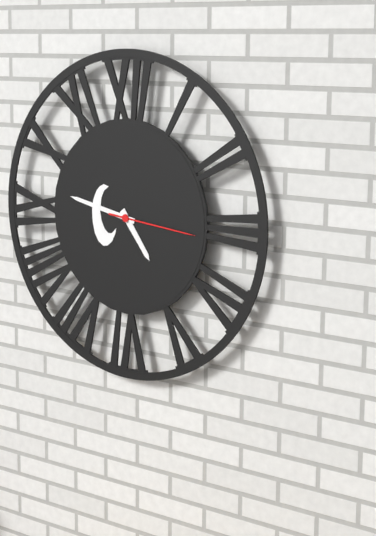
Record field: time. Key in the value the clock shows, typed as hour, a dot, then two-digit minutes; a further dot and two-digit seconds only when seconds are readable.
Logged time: 4.47.16
